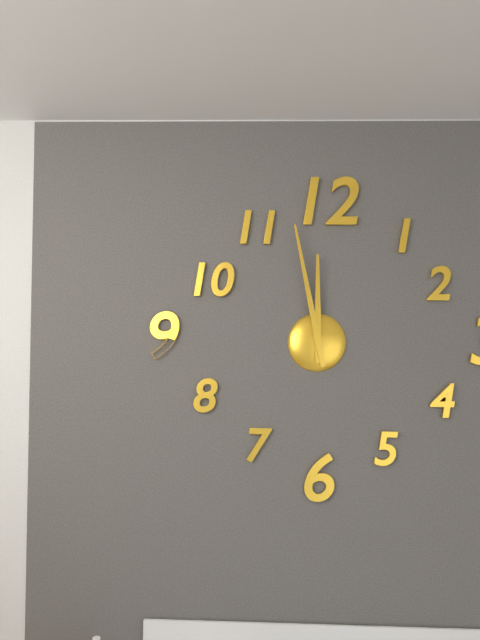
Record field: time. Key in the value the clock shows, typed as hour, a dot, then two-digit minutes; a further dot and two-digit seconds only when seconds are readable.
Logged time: 11.58
